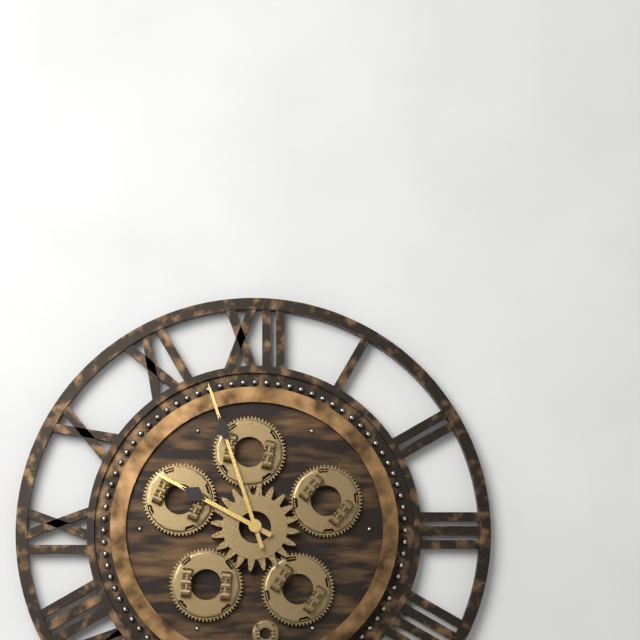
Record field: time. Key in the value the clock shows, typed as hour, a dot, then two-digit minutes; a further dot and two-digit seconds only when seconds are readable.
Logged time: 9.57
